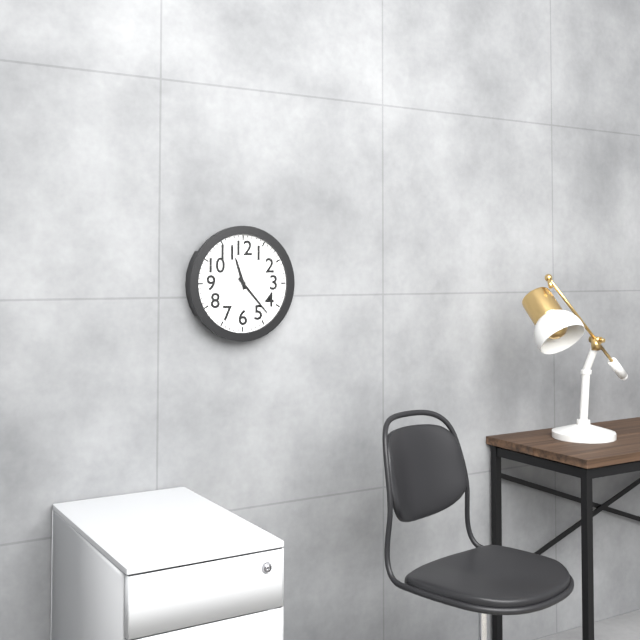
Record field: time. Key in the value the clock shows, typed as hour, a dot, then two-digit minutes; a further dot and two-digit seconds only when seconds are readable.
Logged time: 11.23
